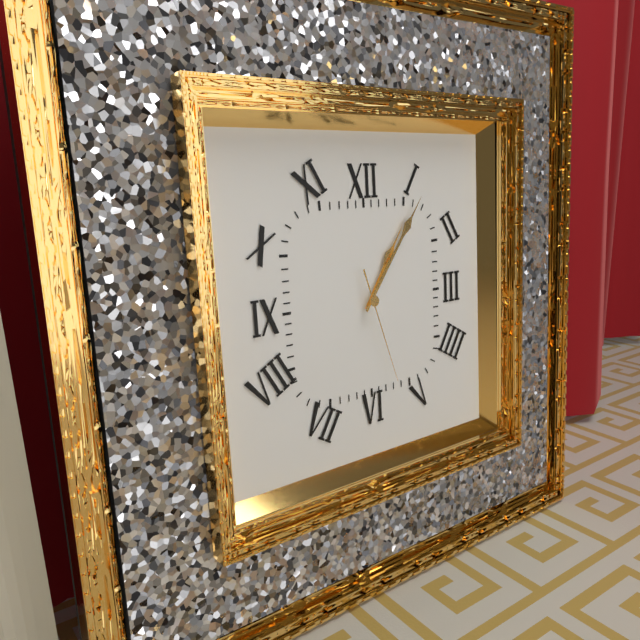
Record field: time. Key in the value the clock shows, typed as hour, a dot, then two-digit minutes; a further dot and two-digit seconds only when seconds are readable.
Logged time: 1.06.27
